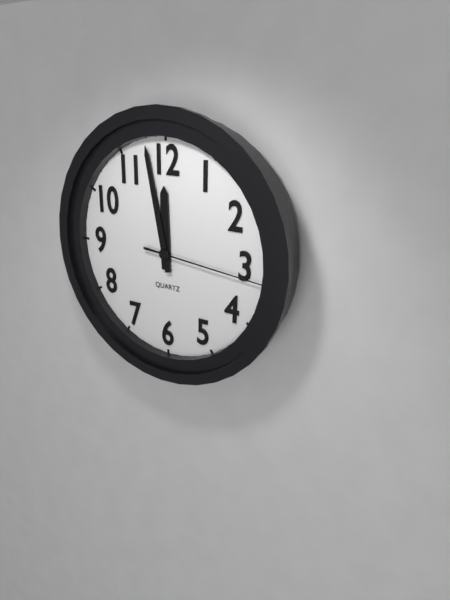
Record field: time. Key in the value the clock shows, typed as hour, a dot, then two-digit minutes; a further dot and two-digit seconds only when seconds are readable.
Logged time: 11.58.16
